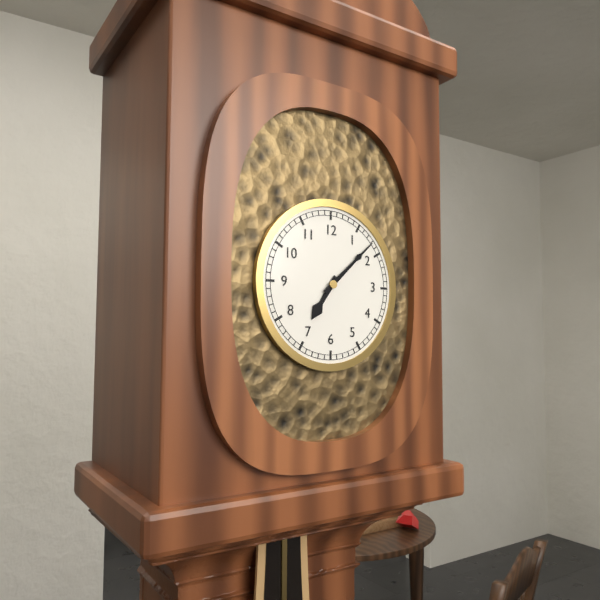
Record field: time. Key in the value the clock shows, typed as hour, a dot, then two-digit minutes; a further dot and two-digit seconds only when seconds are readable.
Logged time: 7.08
